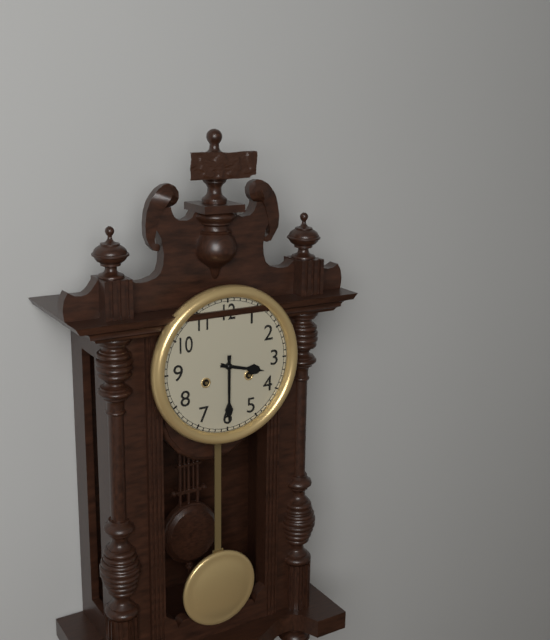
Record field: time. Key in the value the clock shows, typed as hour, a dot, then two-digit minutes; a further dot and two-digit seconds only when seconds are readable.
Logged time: 3.30
